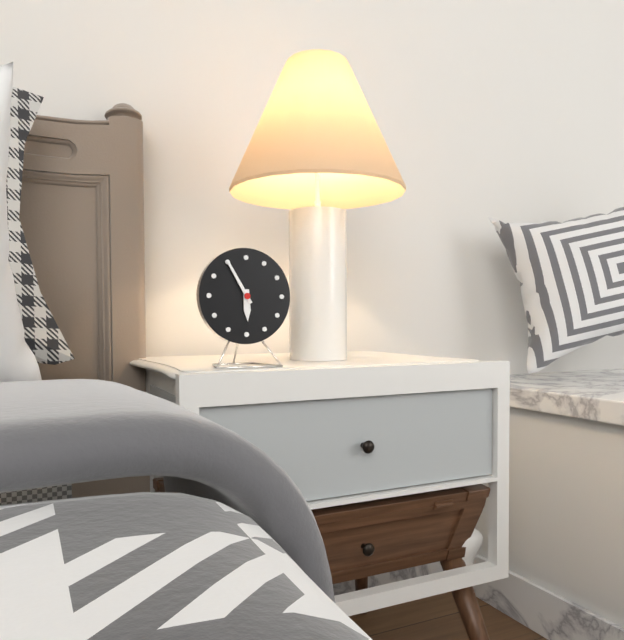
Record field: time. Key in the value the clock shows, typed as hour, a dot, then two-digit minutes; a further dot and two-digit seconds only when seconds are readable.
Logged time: 5.55
